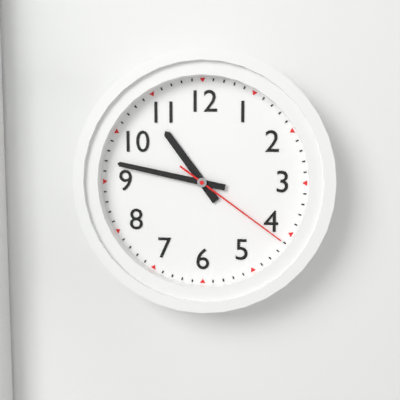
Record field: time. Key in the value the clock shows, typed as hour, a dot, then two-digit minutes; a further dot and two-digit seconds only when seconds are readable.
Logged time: 10.47.21
